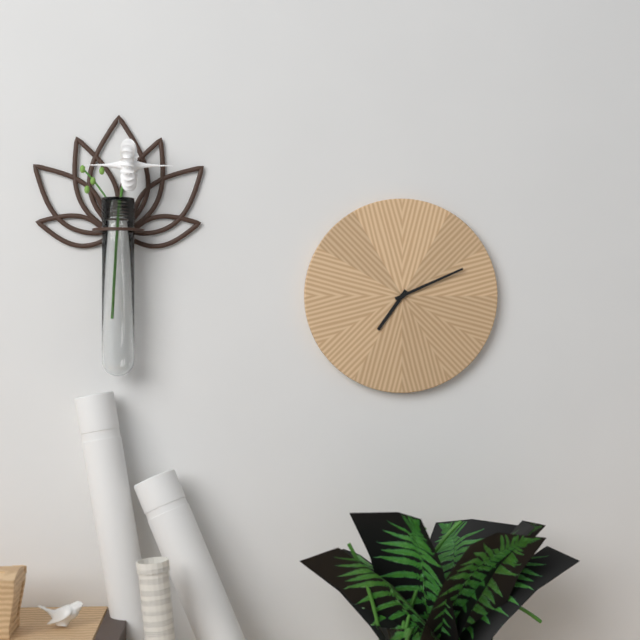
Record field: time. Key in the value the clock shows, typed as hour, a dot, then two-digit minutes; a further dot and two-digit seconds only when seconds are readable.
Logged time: 7.11
